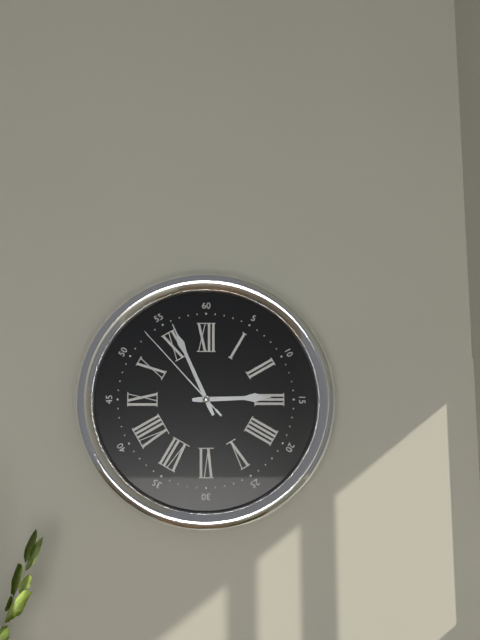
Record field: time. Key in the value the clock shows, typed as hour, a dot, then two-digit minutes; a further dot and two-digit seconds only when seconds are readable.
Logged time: 2.56.53
